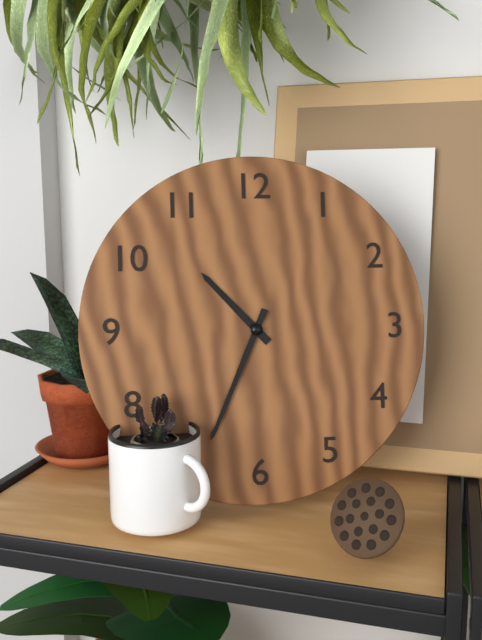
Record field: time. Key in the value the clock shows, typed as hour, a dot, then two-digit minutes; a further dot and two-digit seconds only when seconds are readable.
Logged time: 10.34
